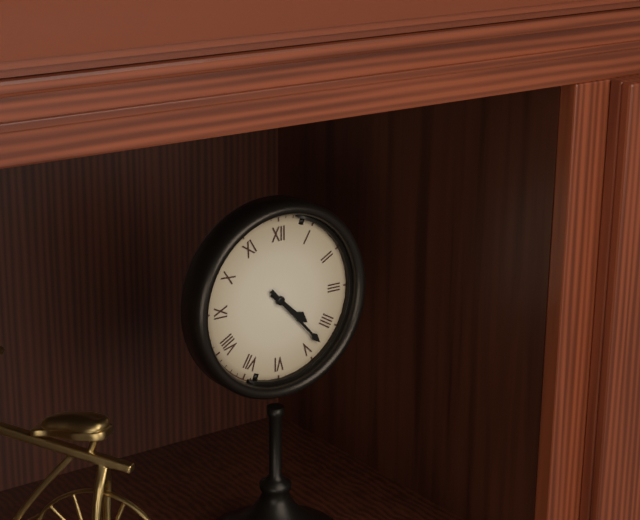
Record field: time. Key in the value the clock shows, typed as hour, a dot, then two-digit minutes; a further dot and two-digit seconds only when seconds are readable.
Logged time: 4.23
